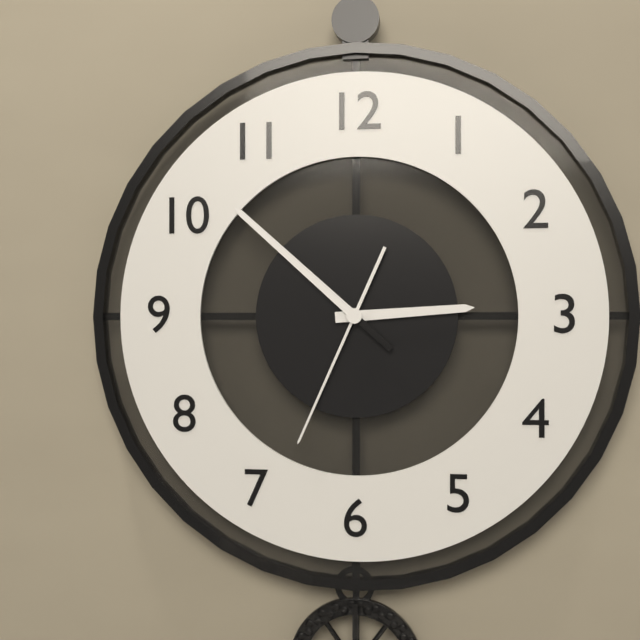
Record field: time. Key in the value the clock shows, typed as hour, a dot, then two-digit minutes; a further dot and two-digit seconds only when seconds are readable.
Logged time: 2.52.34
